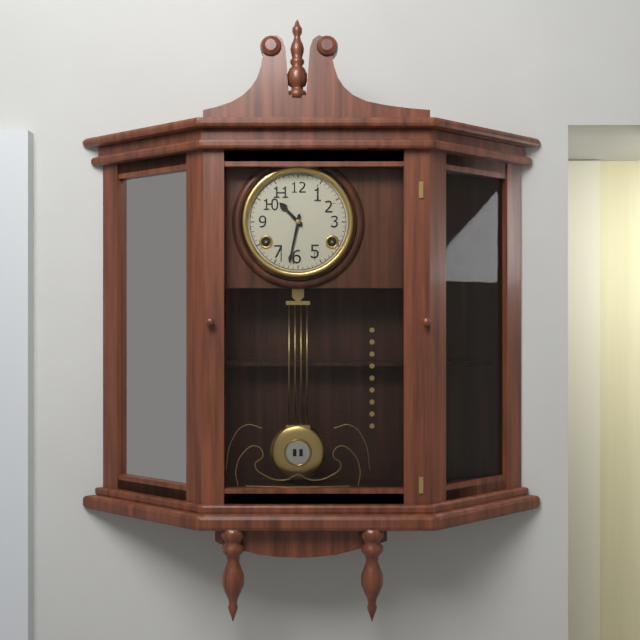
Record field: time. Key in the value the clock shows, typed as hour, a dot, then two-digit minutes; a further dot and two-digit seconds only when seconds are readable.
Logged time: 10.32
